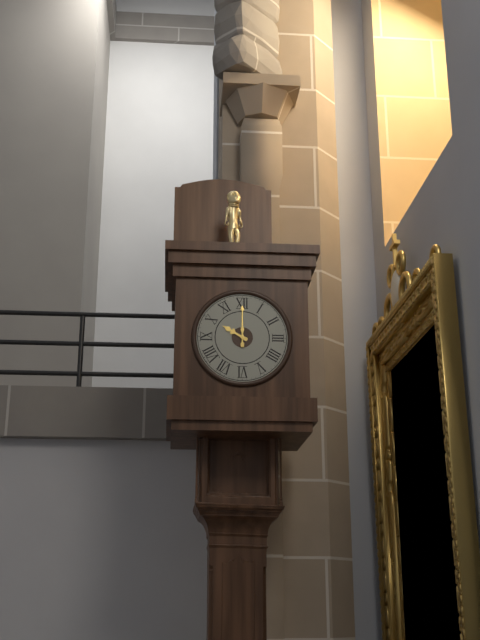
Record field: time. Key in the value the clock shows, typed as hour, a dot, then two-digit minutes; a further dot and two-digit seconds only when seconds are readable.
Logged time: 10.00
